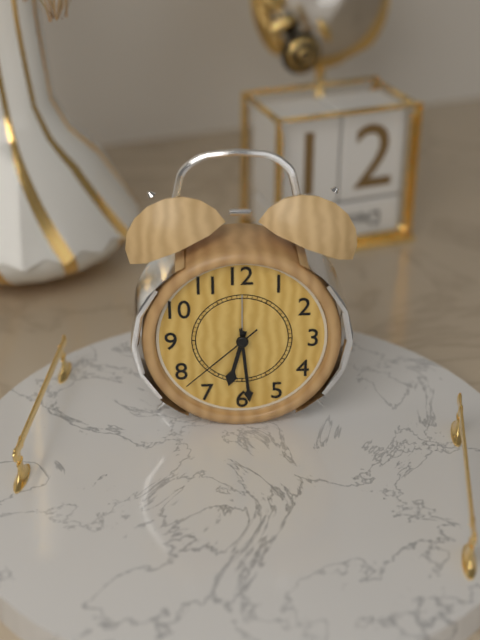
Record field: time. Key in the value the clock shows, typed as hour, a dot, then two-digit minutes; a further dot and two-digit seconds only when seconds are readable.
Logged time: 6.29.38
